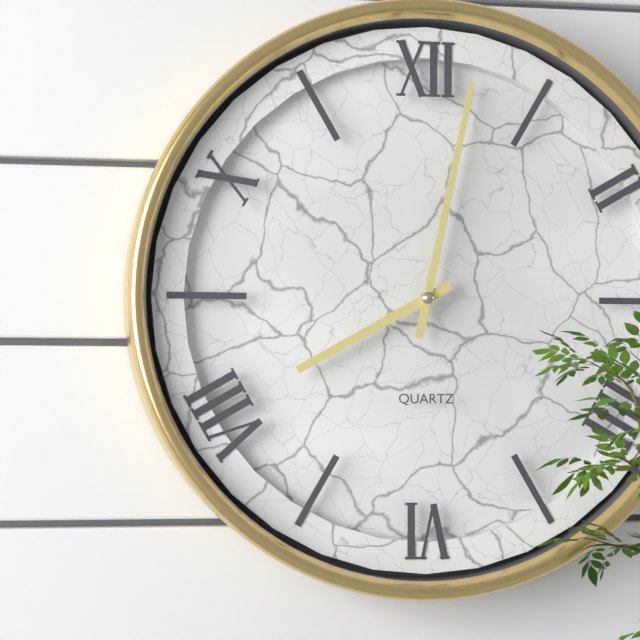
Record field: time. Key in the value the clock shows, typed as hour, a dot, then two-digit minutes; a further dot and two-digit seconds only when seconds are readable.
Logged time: 8.02
